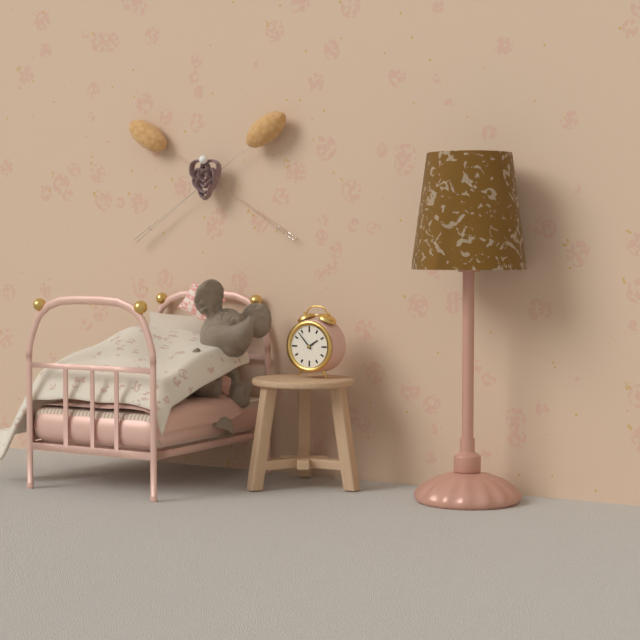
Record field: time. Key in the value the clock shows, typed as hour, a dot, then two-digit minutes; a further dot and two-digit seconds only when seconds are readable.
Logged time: 1.53
